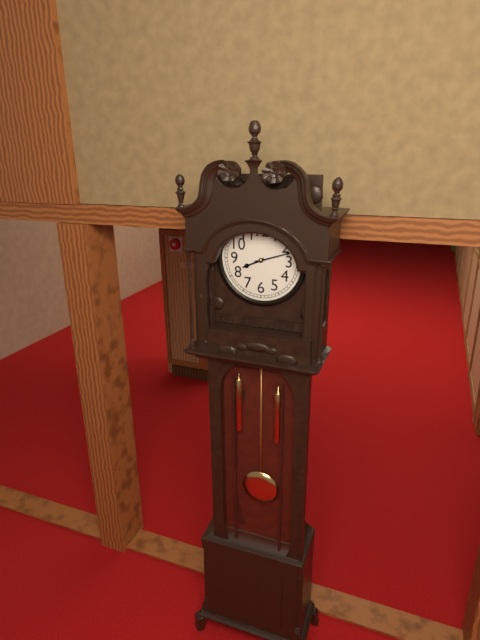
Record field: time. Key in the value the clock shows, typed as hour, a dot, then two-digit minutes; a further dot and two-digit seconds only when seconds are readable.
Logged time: 8.12
